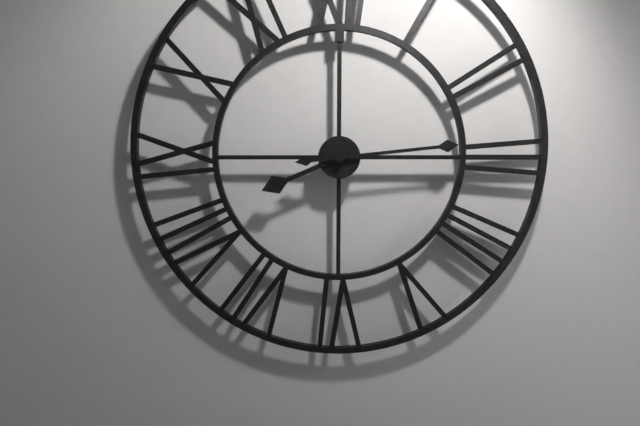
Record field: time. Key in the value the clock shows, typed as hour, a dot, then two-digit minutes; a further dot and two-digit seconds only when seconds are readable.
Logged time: 8.14
